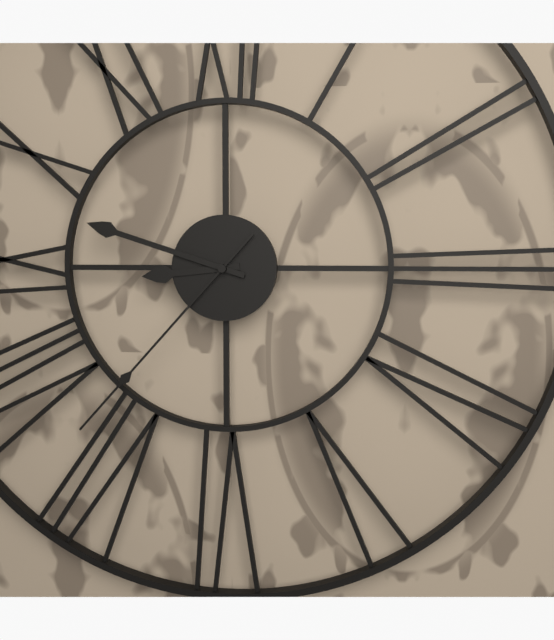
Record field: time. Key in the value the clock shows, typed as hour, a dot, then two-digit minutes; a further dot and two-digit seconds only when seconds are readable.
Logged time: 8.48.37
